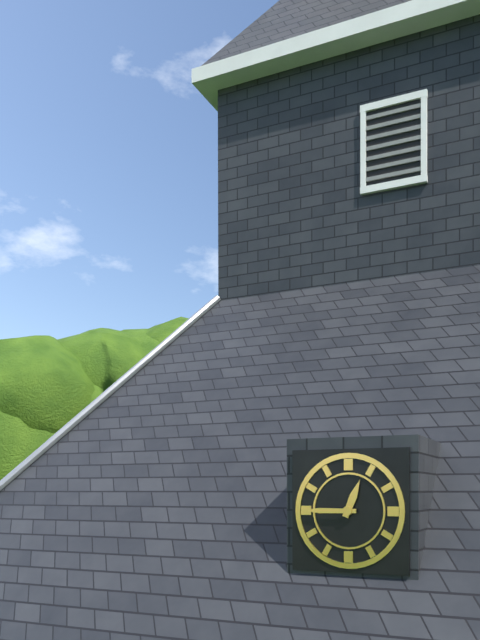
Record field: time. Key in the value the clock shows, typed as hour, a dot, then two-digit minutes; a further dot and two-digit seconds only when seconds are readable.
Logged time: 12.45
